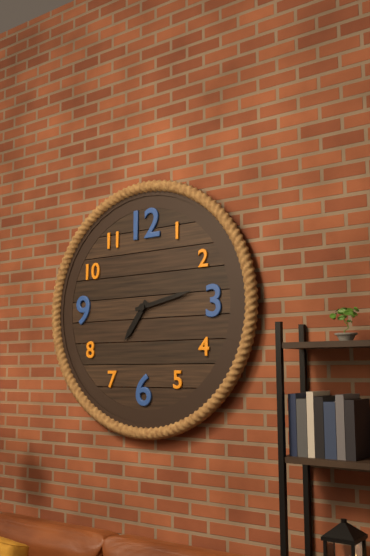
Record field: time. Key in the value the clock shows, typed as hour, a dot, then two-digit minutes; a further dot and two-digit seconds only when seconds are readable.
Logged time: 7.13
